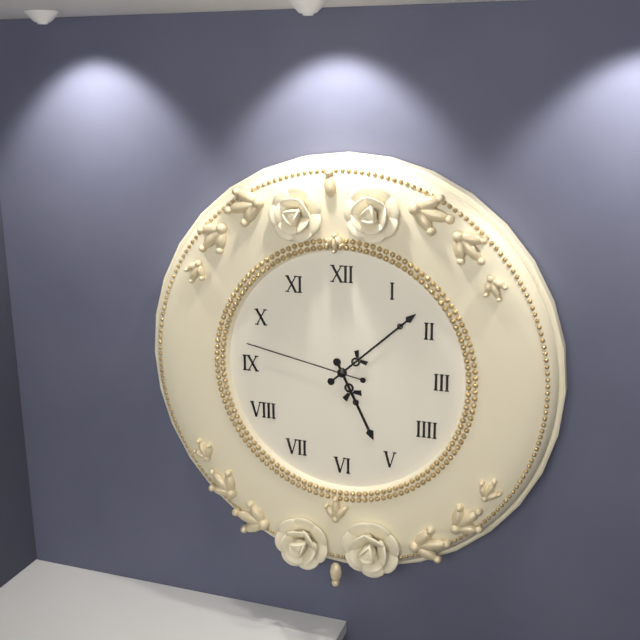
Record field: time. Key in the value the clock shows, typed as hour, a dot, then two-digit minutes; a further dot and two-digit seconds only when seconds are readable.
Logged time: 5.08.47
